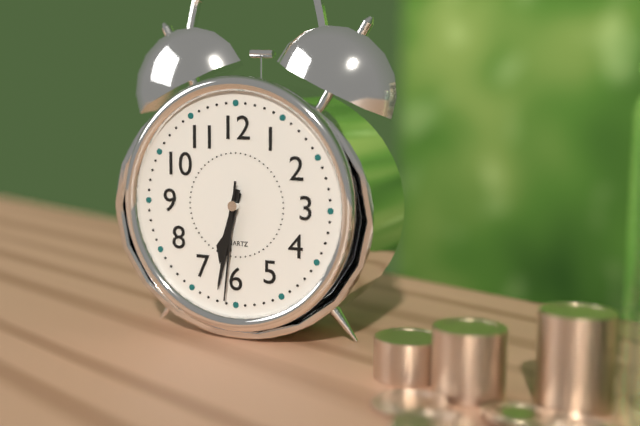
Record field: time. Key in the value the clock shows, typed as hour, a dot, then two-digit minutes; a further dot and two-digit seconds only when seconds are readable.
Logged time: 6.32.31
